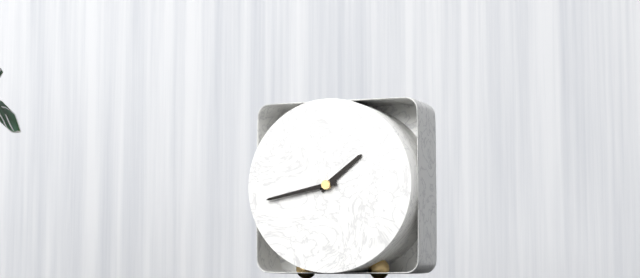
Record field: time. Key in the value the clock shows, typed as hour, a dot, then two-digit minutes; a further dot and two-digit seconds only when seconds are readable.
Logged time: 1.43
